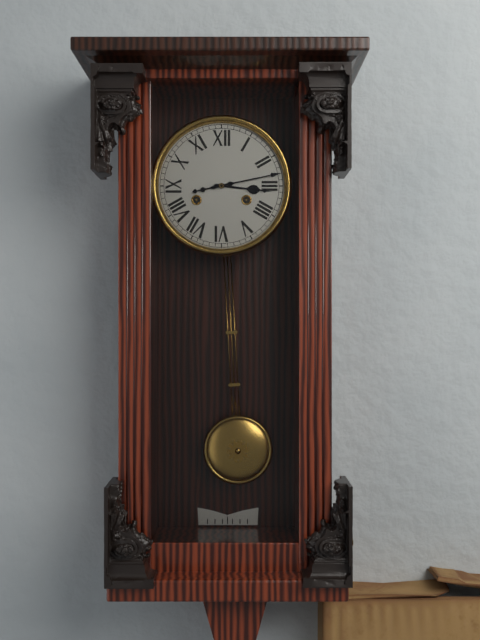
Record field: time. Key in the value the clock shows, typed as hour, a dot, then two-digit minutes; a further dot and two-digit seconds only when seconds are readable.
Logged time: 3.13
